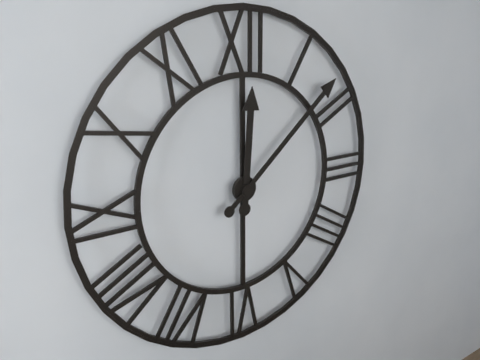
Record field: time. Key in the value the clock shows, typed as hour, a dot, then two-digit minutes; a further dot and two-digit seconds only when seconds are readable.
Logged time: 12.08
